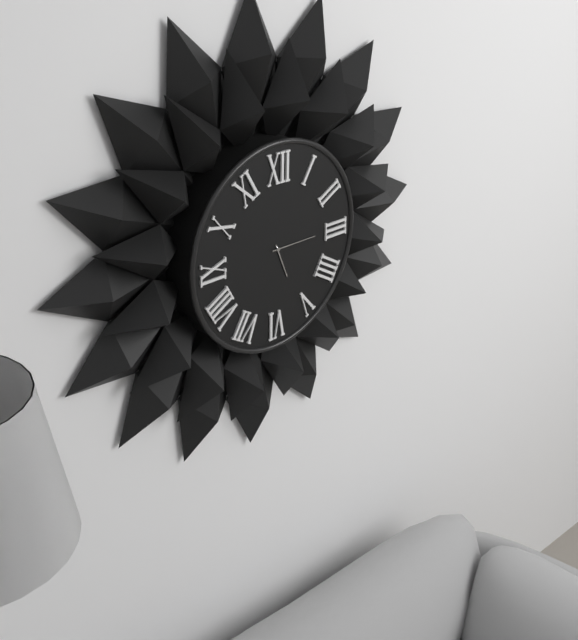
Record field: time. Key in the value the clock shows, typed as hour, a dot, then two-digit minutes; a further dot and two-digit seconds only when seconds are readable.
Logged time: 5.15
